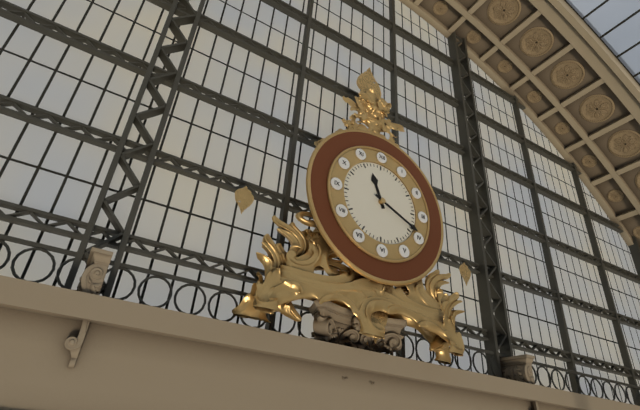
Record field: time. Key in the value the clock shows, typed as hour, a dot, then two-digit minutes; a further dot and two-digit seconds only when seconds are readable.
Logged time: 11.19
